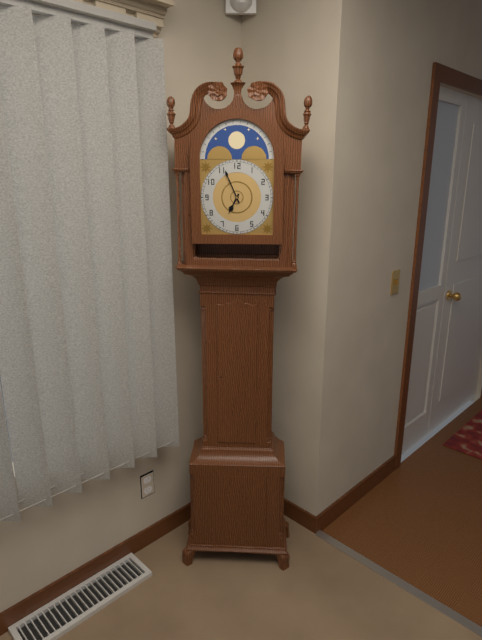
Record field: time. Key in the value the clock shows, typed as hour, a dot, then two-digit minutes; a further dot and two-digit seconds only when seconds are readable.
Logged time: 6.56
